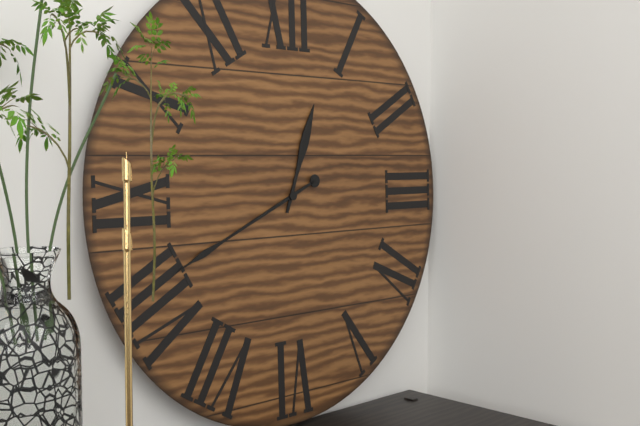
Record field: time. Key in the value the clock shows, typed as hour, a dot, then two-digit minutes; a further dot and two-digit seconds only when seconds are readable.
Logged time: 12.41
